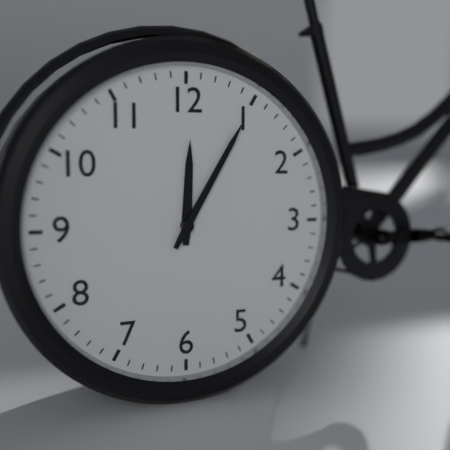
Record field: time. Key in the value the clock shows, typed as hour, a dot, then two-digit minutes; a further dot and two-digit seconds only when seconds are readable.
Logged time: 12.05
